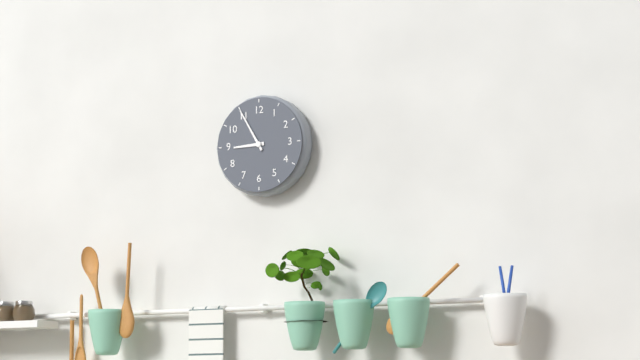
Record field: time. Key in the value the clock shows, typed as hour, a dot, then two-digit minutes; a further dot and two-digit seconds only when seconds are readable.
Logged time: 8.55
